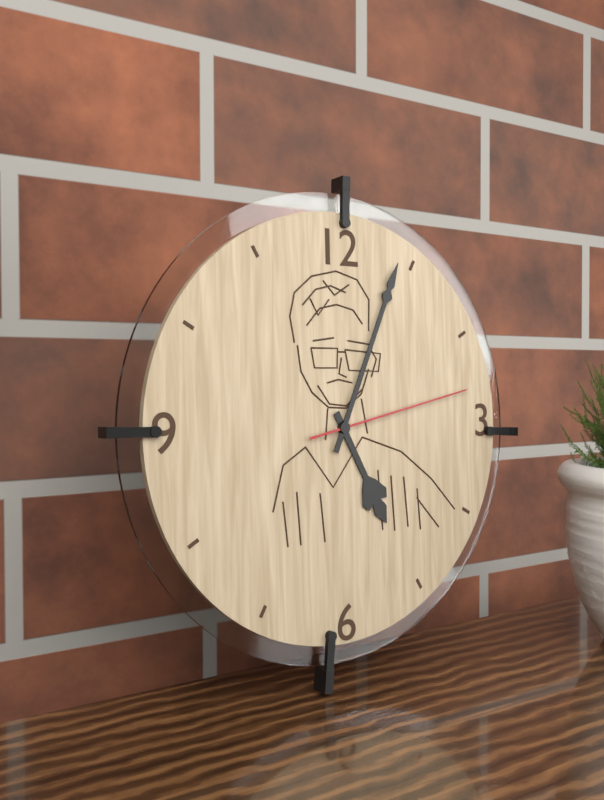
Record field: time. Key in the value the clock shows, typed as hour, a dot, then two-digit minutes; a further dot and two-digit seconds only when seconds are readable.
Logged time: 5.04.13
